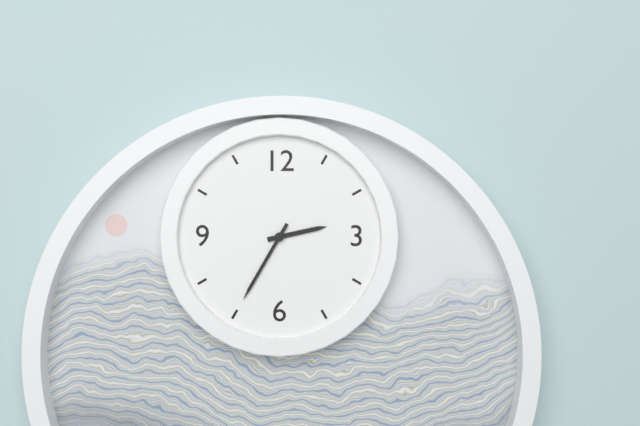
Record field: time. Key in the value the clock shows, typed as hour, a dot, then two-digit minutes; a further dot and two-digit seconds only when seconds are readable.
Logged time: 2.35
